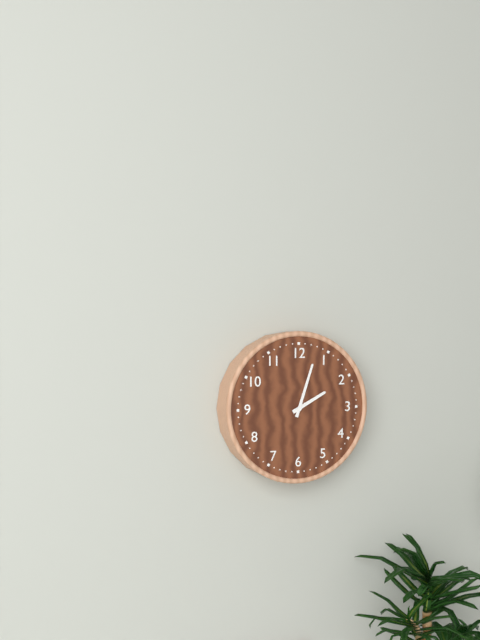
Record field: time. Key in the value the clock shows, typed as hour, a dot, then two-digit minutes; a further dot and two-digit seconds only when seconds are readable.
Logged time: 2.03
